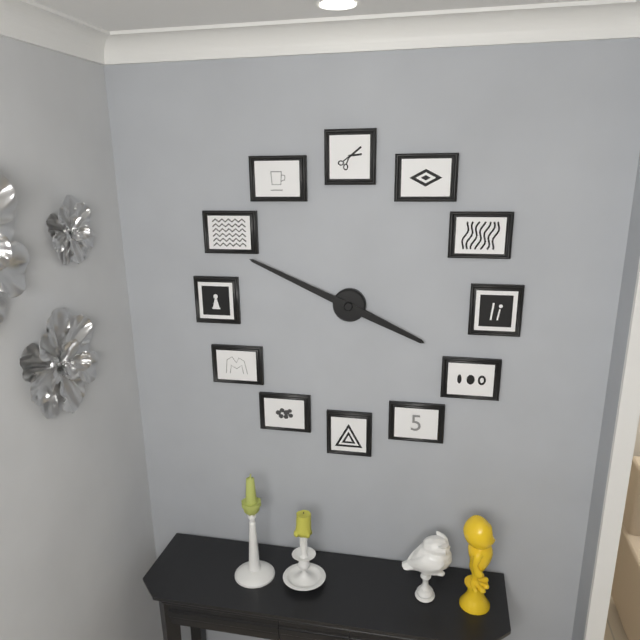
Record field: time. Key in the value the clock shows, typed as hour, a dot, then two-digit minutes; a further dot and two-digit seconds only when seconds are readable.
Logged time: 3.49
